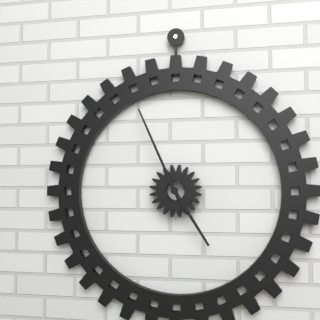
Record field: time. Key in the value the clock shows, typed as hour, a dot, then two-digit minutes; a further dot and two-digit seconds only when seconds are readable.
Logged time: 4.56
